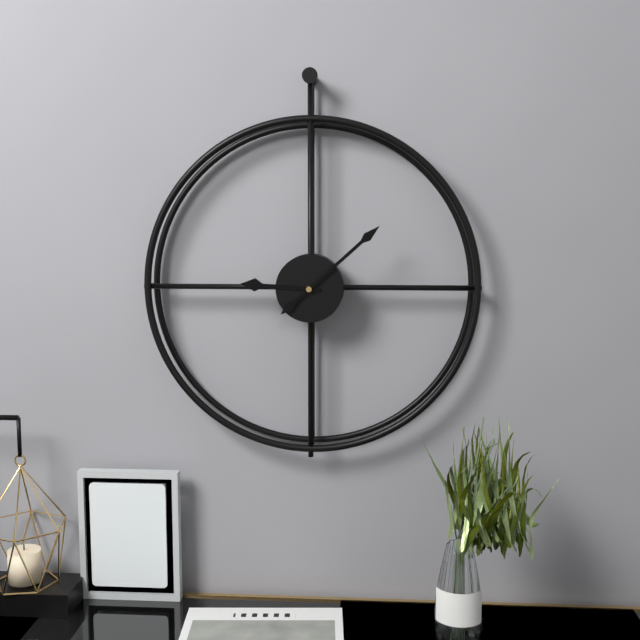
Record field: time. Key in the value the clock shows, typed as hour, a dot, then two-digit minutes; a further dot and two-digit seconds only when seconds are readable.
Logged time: 9.08
